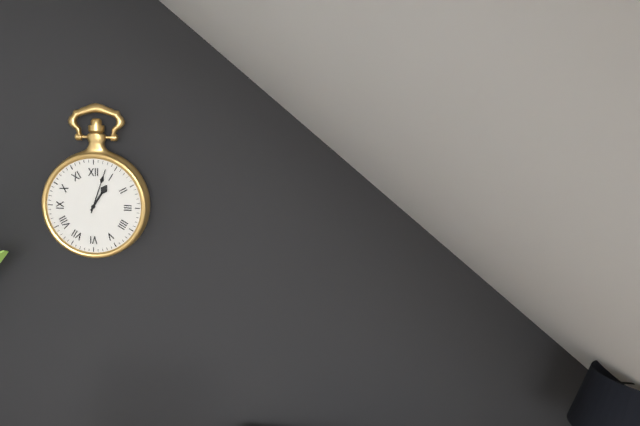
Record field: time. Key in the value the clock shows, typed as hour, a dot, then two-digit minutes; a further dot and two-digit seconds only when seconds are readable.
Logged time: 1.03
